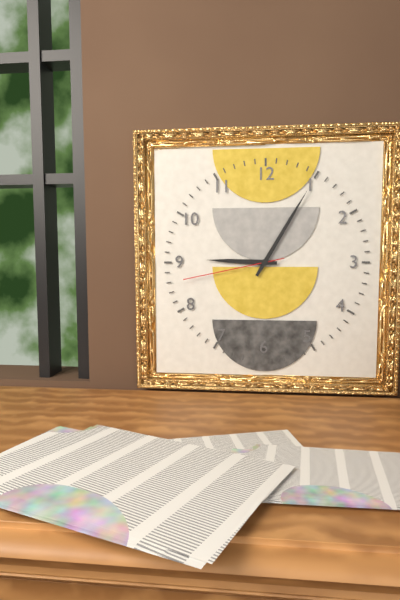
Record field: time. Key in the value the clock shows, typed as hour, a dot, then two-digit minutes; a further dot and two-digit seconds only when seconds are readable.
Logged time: 9.05.43
